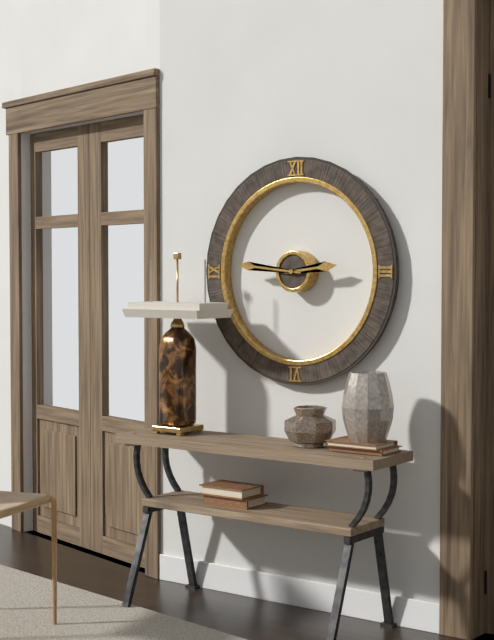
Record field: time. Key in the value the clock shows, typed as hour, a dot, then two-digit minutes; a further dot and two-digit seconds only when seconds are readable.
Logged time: 2.46
